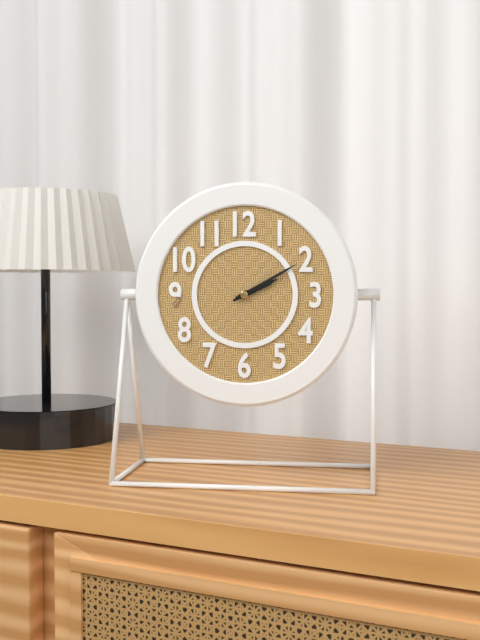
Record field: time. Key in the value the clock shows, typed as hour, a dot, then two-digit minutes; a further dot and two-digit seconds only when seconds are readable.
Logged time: 2.10
